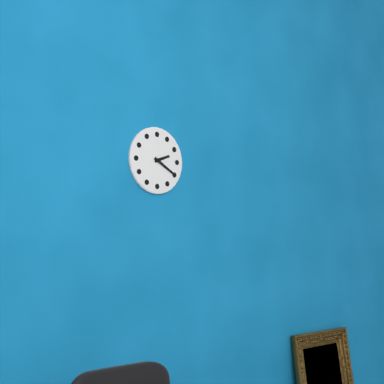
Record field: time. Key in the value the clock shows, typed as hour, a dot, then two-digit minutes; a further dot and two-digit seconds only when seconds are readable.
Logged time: 2.20
